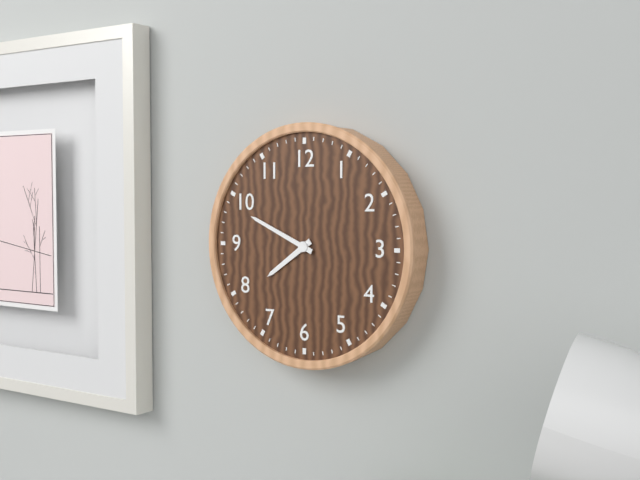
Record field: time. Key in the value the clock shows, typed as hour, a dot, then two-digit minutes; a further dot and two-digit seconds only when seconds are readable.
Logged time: 7.49
